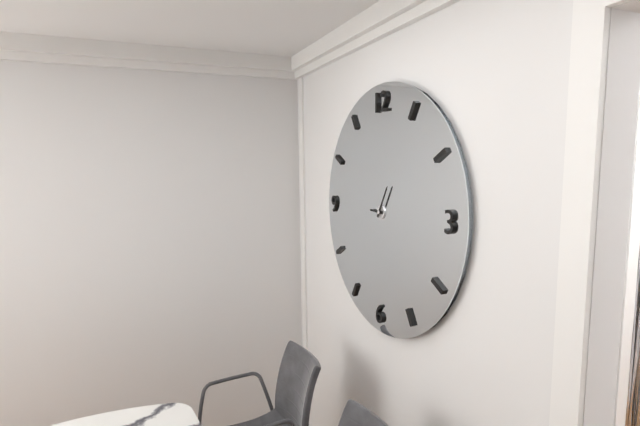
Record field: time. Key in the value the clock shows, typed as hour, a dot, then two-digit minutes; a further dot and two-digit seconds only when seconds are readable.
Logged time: 9.05
